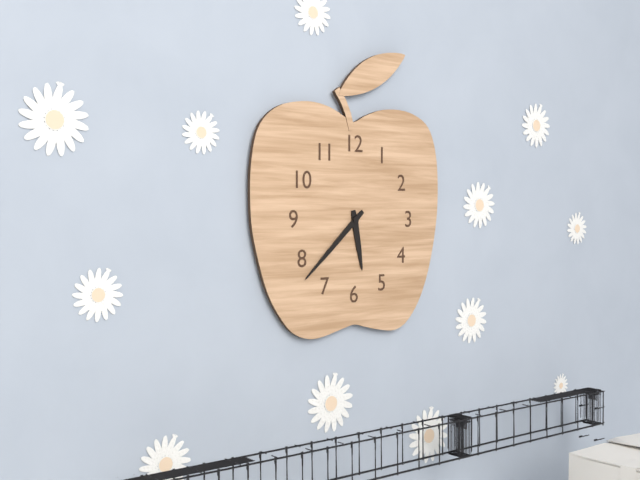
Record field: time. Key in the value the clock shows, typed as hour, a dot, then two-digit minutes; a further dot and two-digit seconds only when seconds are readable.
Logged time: 5.38
